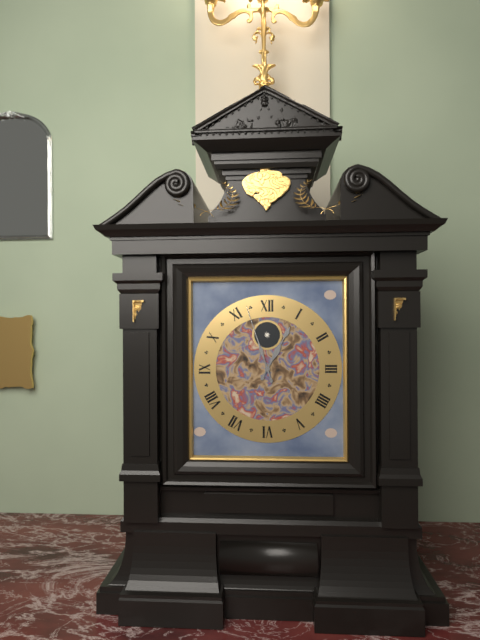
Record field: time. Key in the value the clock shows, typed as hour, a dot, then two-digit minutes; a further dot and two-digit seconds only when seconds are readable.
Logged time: 12.57
